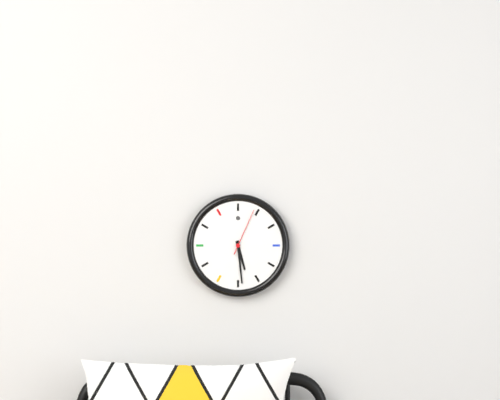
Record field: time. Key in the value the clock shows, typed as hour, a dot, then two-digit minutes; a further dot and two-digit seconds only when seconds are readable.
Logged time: 5.29
